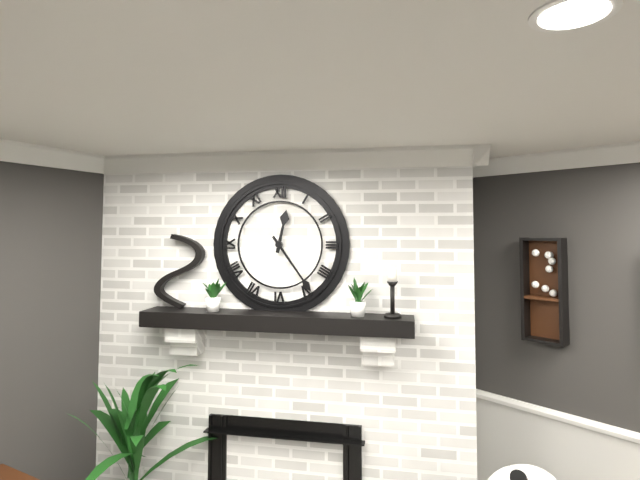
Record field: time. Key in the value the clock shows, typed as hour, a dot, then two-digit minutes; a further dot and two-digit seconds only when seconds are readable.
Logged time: 12.24
